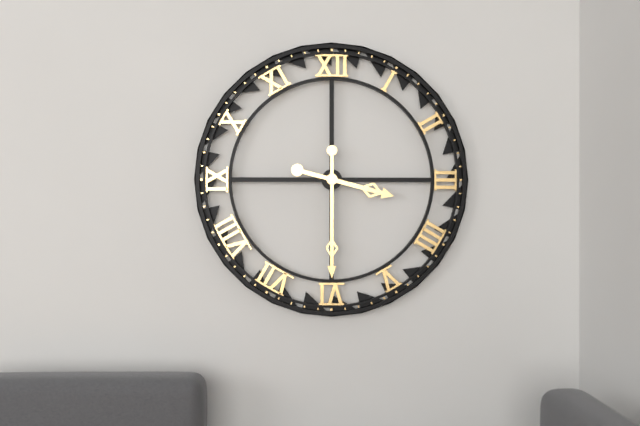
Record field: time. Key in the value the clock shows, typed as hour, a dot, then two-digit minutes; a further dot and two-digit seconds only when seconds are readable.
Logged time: 3.30
